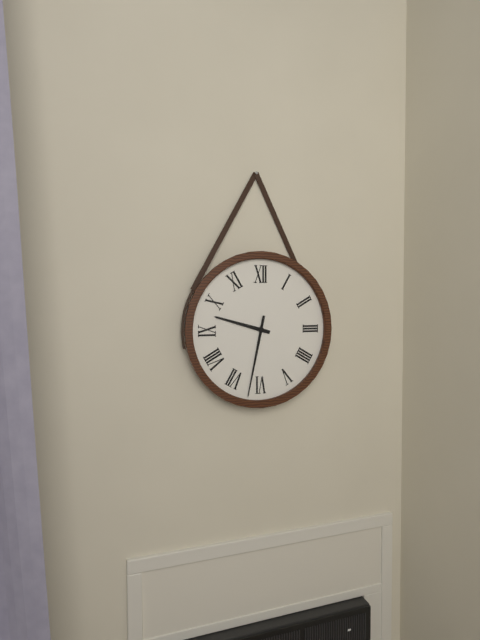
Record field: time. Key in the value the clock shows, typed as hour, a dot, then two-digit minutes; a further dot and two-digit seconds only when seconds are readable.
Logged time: 9.32
